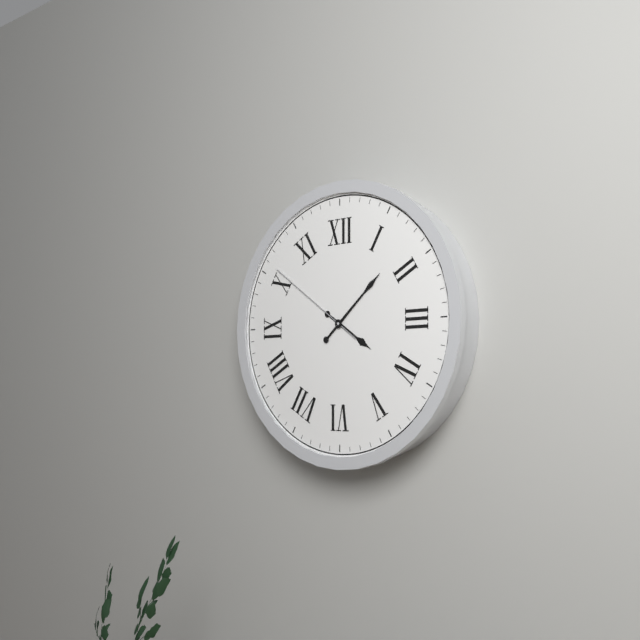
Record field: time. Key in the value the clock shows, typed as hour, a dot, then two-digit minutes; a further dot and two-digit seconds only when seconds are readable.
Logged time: 4.08.51
